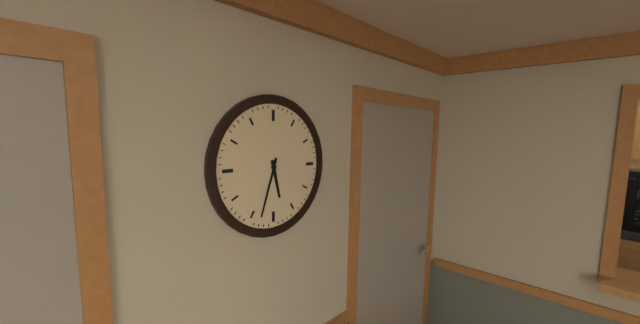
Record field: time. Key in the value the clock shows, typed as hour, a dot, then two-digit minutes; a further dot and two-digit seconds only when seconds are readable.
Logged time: 5.33
